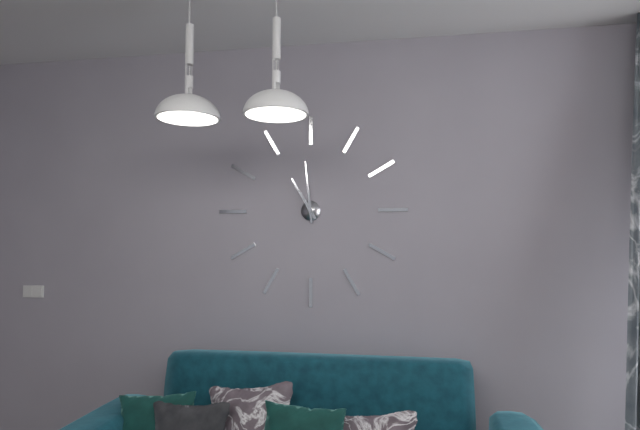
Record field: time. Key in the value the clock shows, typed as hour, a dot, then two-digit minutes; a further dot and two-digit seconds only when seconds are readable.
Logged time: 10.59
